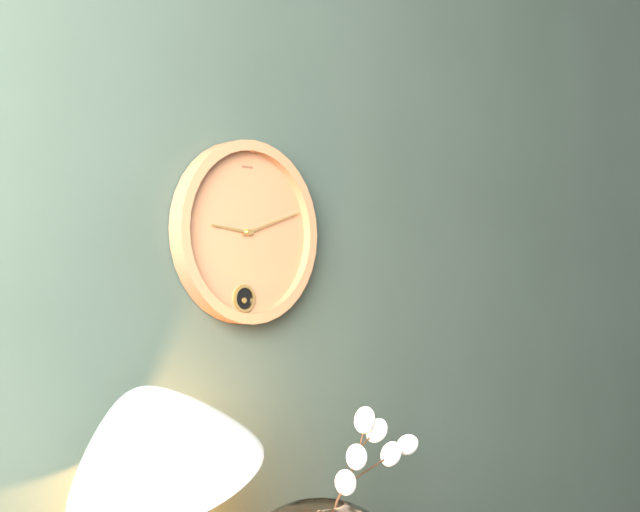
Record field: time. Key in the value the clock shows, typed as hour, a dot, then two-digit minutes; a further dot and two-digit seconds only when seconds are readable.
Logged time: 9.12
